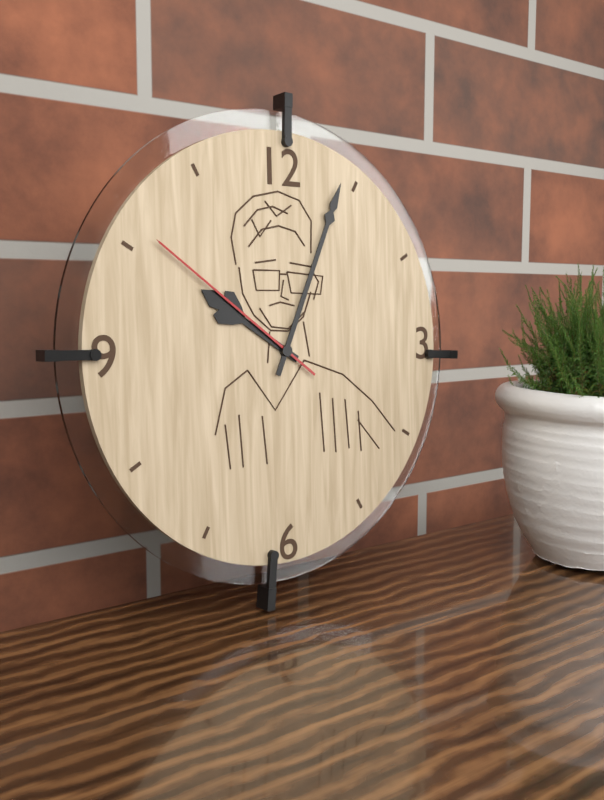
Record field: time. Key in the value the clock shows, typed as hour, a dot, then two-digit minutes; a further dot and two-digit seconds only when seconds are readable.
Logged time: 10.04.51
